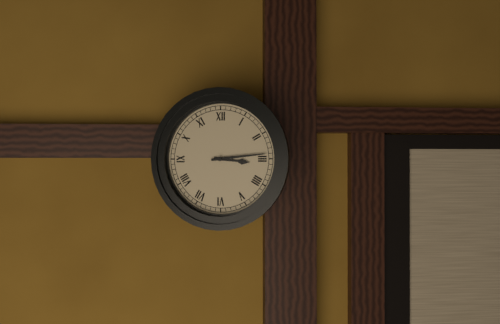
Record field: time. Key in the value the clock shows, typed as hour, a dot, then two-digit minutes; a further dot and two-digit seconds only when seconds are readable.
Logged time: 3.14
